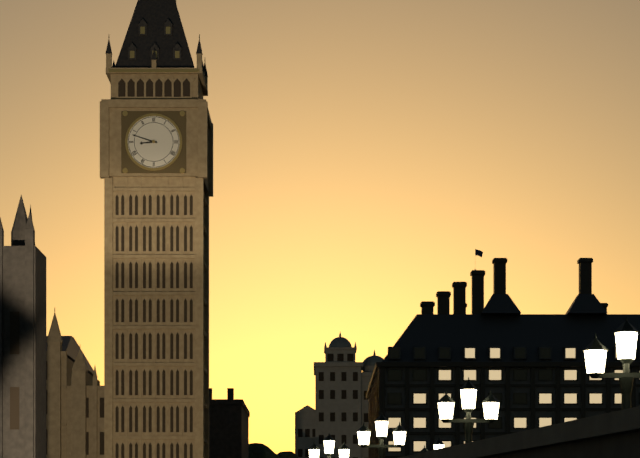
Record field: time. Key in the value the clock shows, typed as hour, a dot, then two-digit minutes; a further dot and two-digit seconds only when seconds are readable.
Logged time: 8.48
